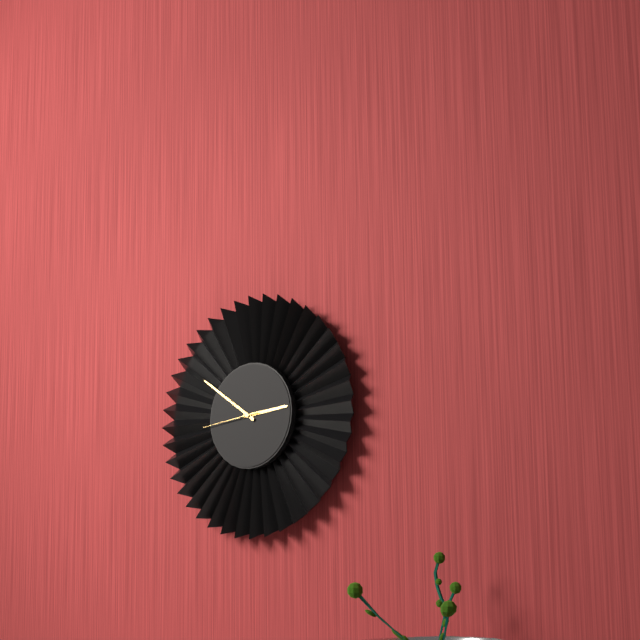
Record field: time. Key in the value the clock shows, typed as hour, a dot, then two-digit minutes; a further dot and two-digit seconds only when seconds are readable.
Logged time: 2.51.44
